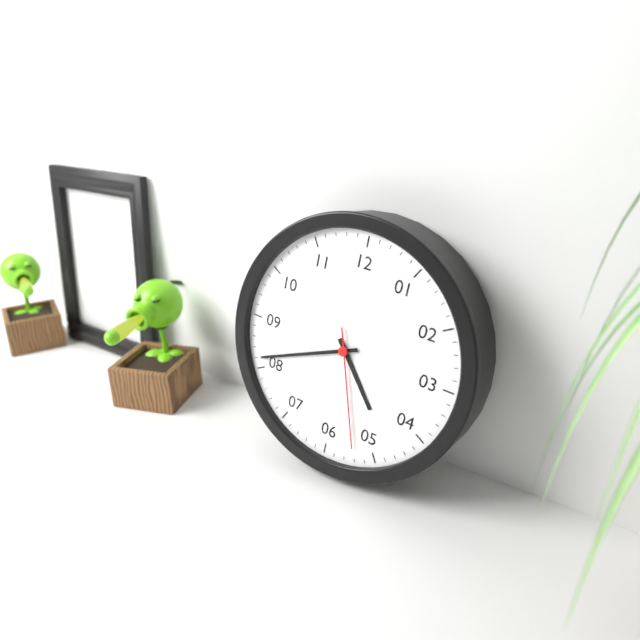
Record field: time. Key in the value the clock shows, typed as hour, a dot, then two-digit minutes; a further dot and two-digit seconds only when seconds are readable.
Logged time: 4.41.27
